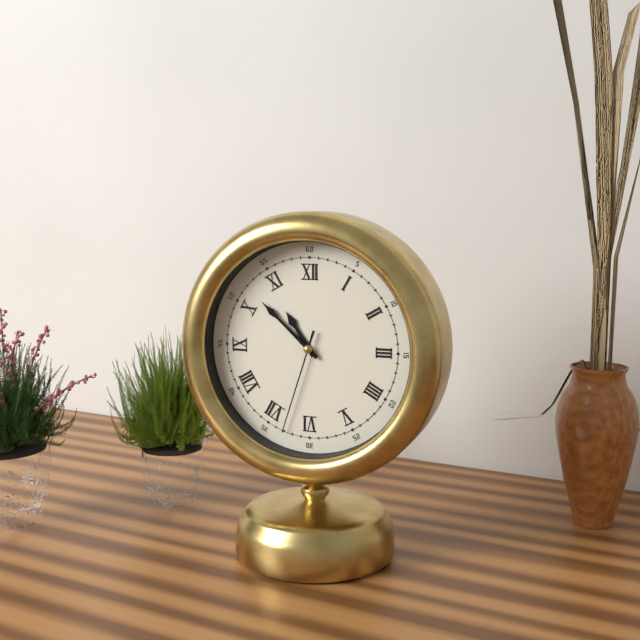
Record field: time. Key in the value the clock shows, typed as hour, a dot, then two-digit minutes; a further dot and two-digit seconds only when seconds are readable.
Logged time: 10.52.33
